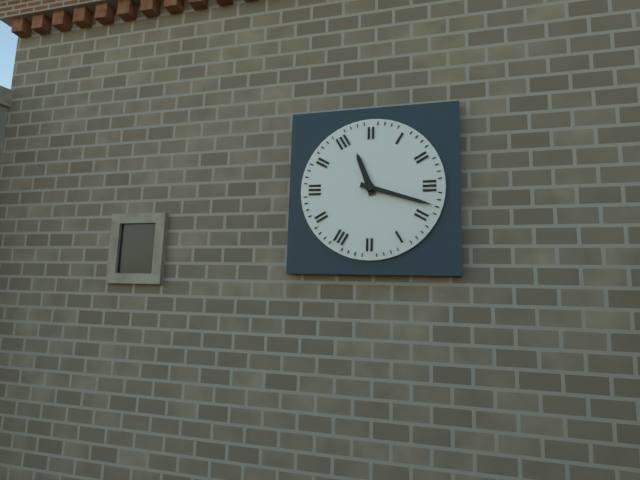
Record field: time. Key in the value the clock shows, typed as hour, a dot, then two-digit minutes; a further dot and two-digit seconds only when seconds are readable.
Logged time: 11.18
